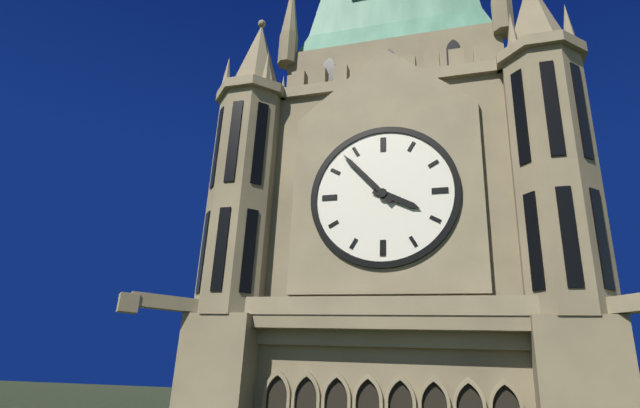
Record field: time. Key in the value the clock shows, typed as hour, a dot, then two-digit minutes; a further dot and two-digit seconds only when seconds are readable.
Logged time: 3.53
